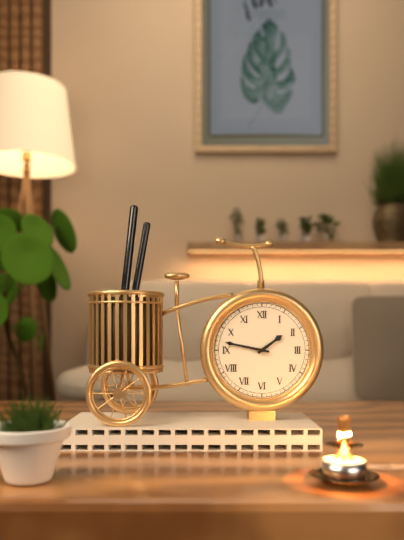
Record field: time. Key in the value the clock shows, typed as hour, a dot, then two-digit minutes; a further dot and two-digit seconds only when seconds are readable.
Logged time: 1.47
